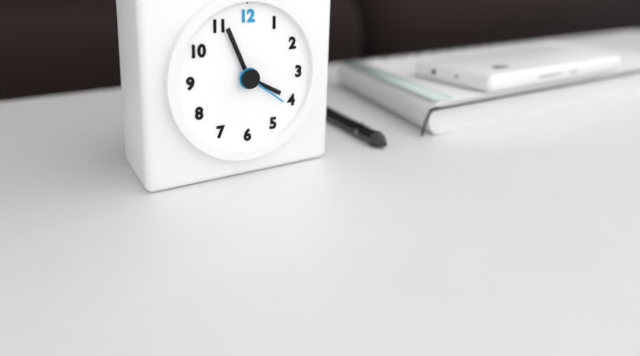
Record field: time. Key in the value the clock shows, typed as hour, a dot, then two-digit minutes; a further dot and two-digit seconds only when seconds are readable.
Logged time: 3.56.21
